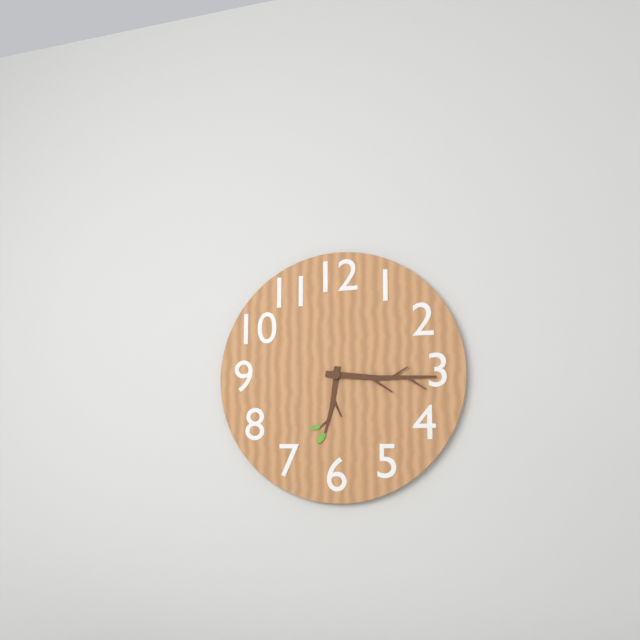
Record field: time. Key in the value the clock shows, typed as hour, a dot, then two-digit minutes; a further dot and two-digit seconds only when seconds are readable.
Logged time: 6.16
